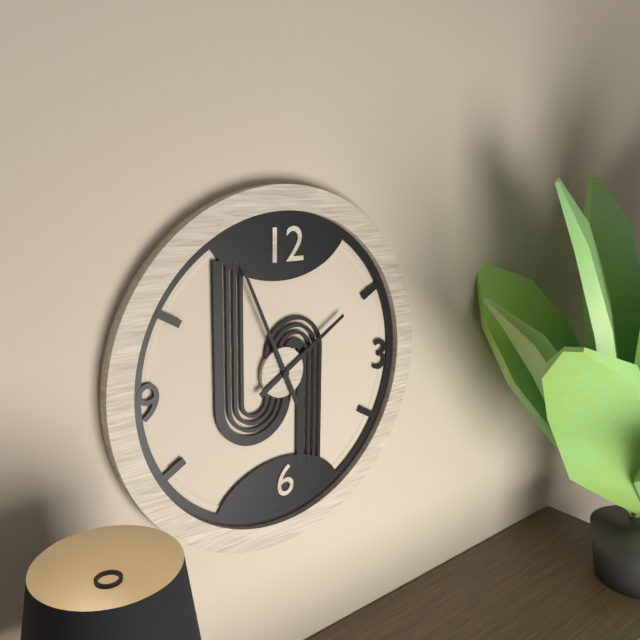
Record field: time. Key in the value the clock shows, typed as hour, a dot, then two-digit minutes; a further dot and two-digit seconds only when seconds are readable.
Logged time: 1.56
